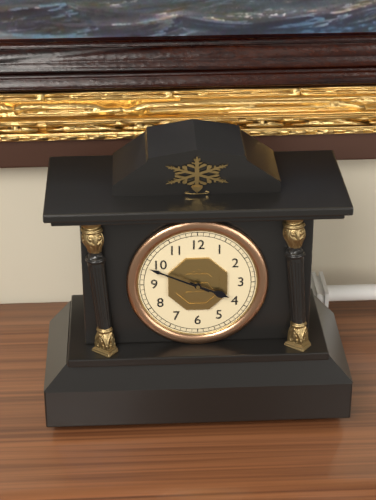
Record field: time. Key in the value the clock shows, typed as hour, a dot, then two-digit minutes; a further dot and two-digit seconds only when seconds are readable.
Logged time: 3.49
